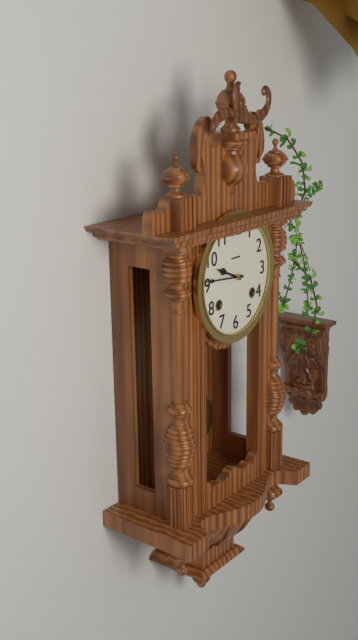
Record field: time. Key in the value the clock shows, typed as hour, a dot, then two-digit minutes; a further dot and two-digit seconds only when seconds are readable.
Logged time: 9.46
